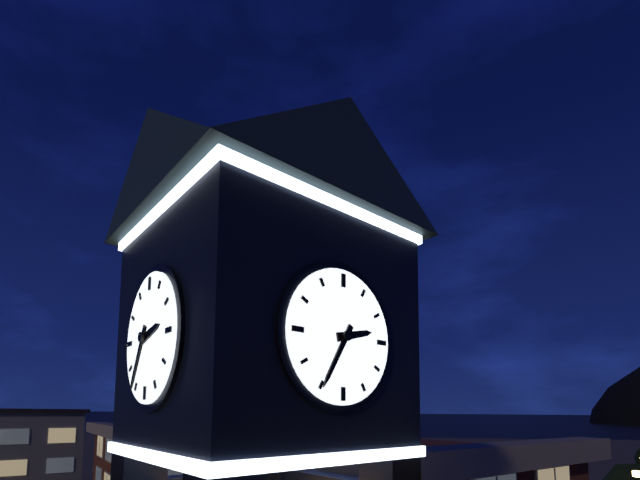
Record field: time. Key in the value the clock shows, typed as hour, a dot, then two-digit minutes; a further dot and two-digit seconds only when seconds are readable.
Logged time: 2.35
